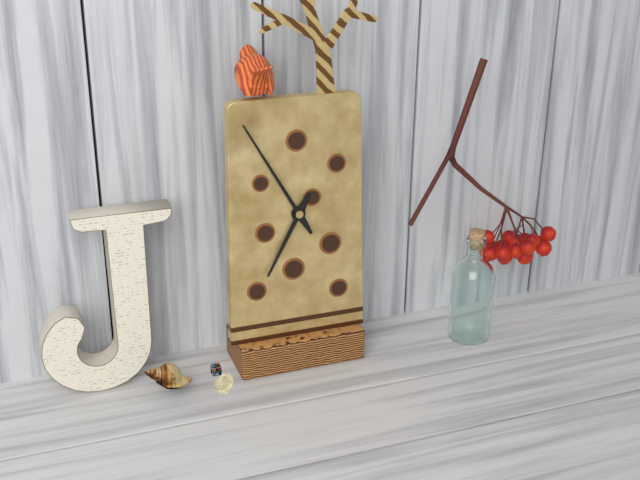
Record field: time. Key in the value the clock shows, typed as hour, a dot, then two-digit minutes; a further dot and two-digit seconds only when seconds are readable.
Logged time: 6.55
